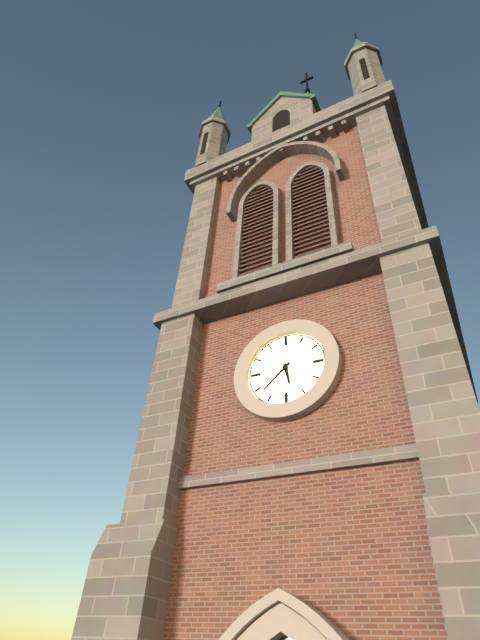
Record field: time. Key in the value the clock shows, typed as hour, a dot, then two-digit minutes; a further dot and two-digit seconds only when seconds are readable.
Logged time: 5.38
